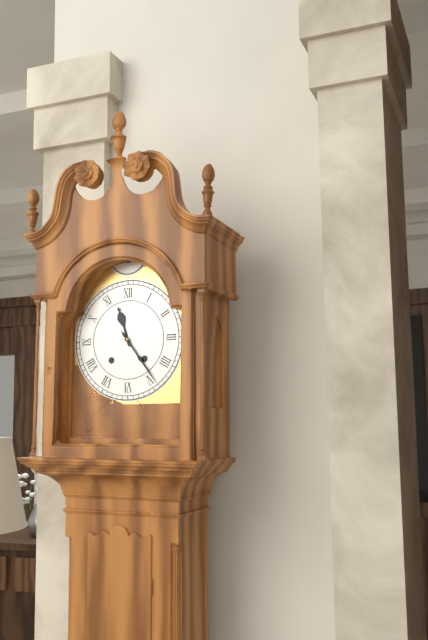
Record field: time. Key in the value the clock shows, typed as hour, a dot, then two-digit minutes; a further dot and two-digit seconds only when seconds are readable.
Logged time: 11.24
